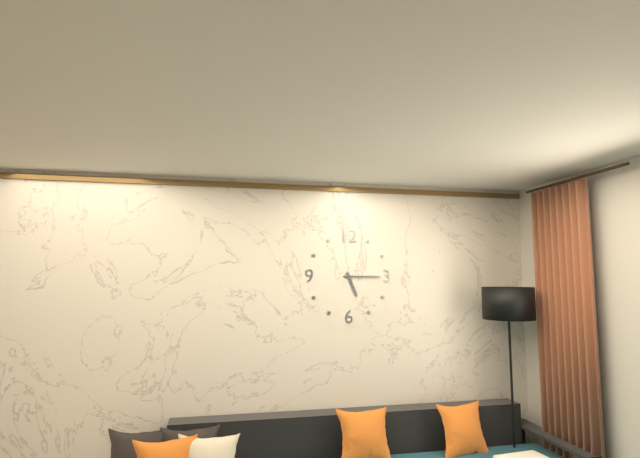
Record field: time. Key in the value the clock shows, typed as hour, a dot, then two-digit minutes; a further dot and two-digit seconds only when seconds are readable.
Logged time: 5.15
